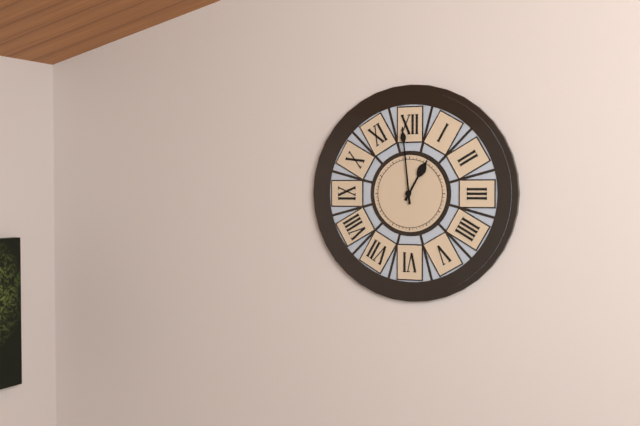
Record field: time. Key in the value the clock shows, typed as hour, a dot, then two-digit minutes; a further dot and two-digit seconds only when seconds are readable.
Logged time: 12.59
